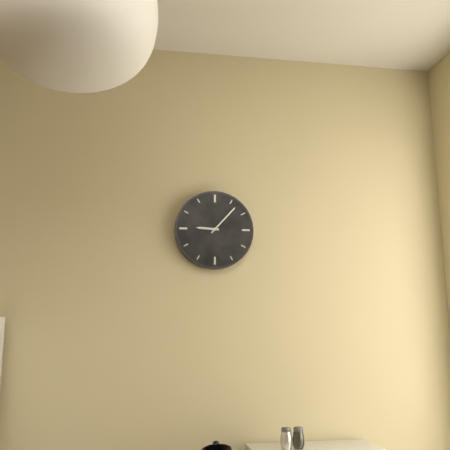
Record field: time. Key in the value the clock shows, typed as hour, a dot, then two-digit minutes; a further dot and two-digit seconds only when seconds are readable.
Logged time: 9.07
